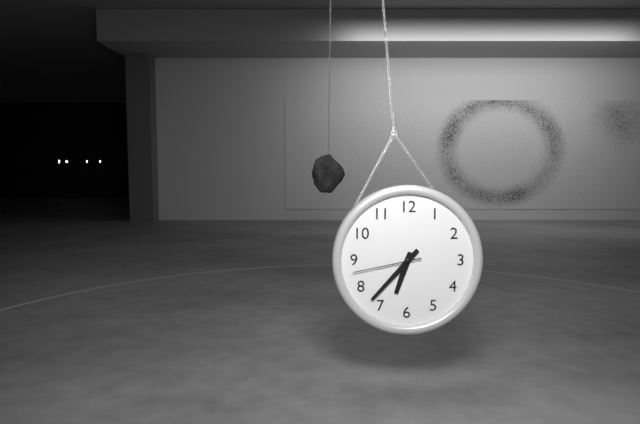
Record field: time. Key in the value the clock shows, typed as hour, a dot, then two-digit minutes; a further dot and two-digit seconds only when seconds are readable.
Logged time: 6.37.43
